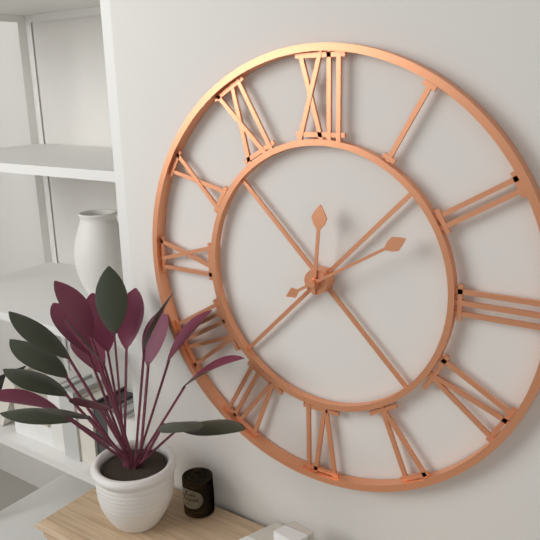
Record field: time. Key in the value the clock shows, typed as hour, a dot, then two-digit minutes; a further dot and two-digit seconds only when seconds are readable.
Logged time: 12.10
